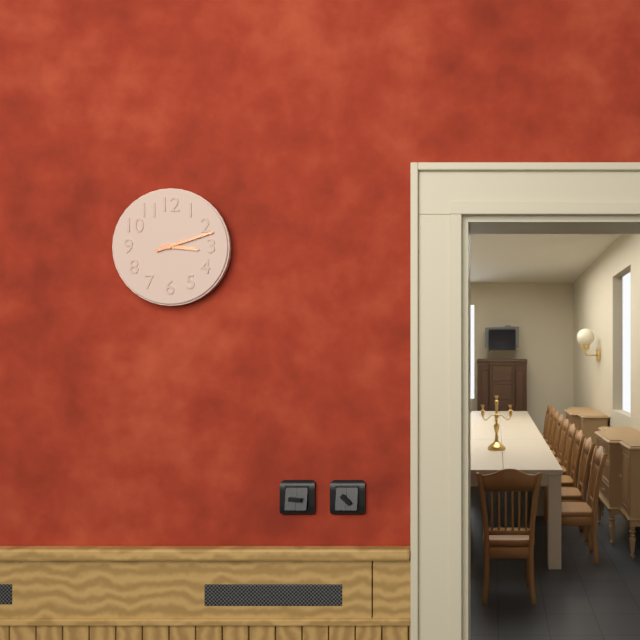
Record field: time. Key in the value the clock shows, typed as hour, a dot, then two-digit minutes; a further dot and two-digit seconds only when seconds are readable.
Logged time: 3.12
